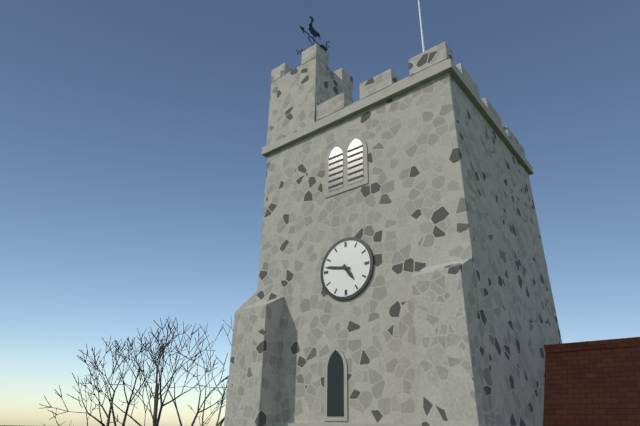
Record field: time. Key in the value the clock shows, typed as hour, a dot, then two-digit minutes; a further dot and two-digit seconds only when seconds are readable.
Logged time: 4.47
